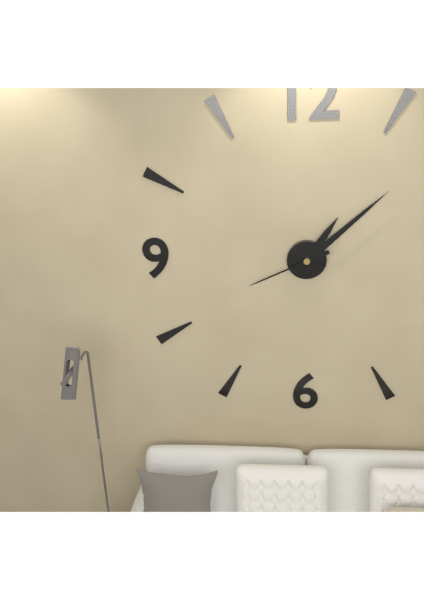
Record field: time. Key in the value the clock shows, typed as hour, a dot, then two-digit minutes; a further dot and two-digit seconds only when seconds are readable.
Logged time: 1.08.41
